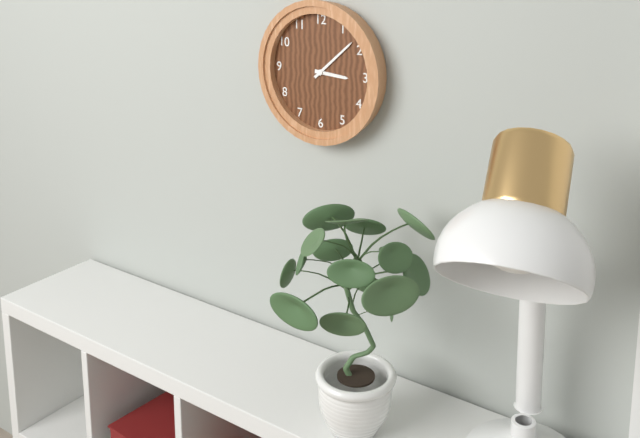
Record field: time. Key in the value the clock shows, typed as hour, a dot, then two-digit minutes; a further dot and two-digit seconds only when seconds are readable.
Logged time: 3.08
